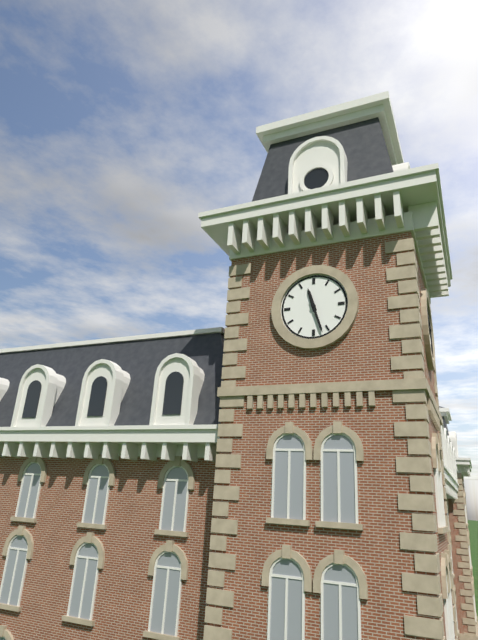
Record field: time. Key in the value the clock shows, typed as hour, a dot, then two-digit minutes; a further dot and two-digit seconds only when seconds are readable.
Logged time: 11.27
